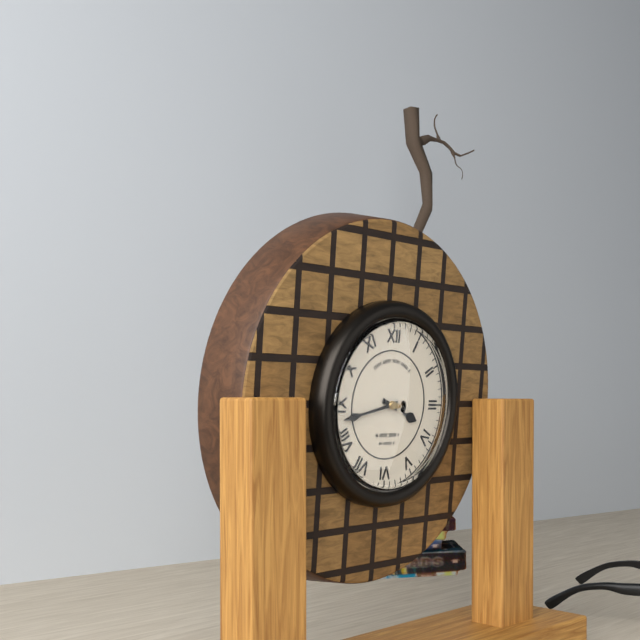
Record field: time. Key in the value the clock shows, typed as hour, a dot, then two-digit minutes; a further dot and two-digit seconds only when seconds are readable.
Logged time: 3.43
